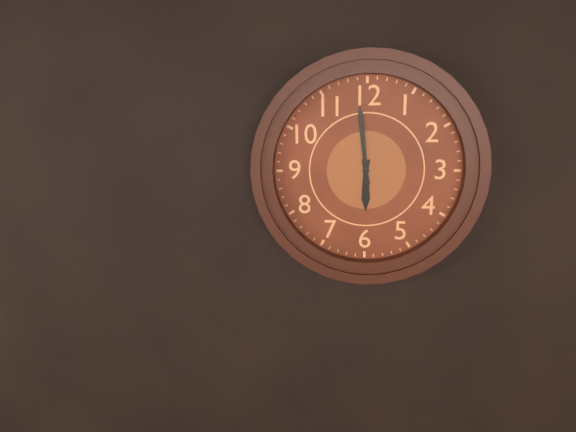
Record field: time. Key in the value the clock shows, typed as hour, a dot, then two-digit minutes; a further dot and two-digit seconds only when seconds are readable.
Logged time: 5.59
